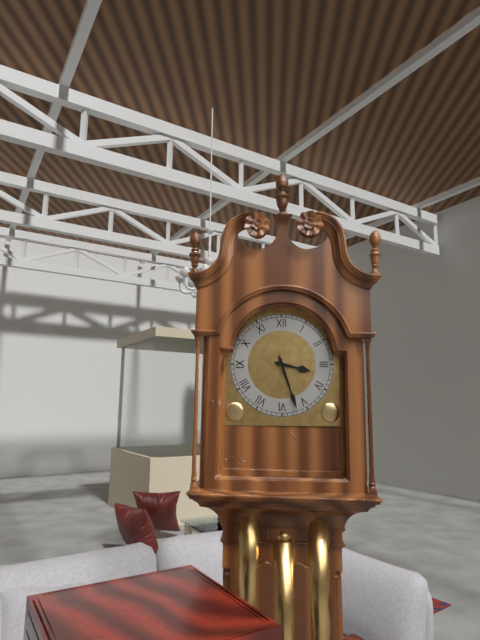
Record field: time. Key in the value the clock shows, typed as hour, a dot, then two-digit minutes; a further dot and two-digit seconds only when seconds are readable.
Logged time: 3.27
